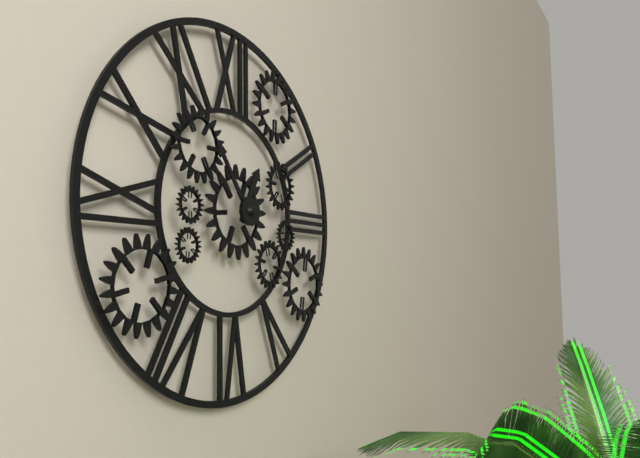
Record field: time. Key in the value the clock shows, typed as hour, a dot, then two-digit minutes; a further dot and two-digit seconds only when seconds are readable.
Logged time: 12.54
